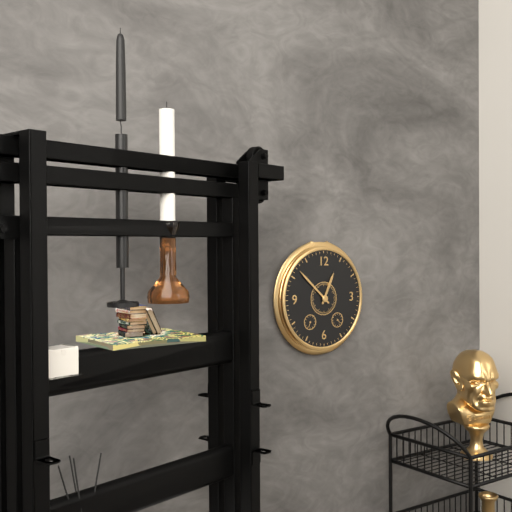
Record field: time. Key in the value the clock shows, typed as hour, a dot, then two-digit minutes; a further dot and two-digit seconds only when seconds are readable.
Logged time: 12.52
